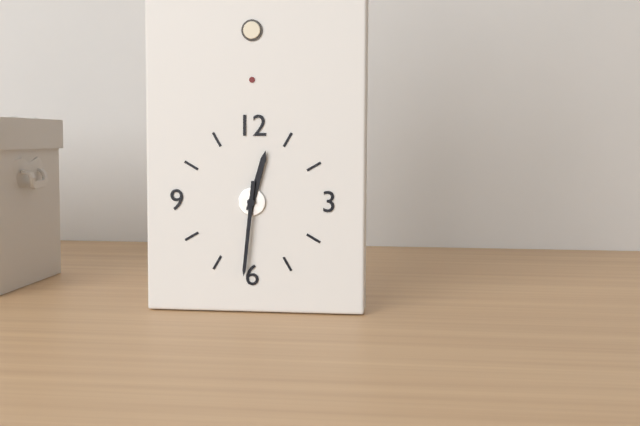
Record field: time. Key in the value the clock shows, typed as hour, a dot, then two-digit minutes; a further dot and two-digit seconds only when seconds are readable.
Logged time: 12.31
